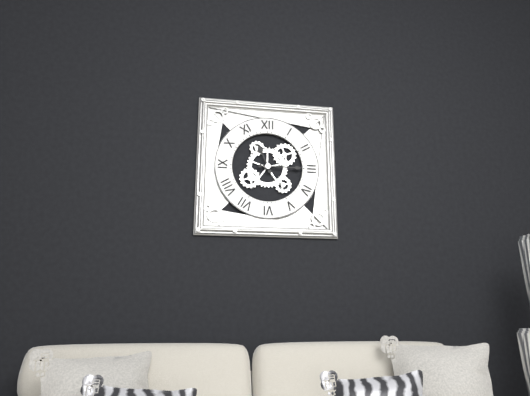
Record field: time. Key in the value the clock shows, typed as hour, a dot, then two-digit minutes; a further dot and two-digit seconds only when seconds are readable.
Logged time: 11.15
